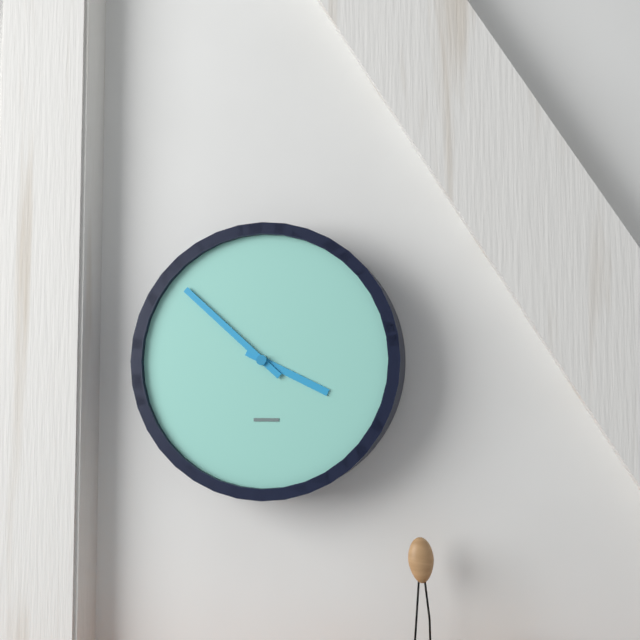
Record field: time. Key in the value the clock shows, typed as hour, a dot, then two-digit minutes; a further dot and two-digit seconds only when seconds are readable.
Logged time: 3.52
